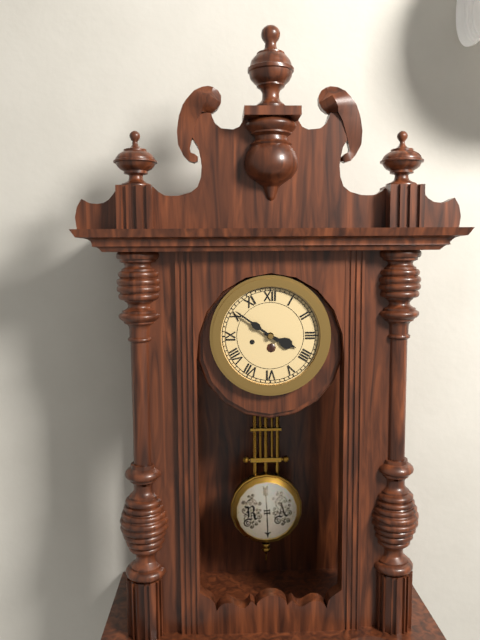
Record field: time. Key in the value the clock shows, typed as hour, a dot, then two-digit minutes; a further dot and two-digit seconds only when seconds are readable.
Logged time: 3.51
